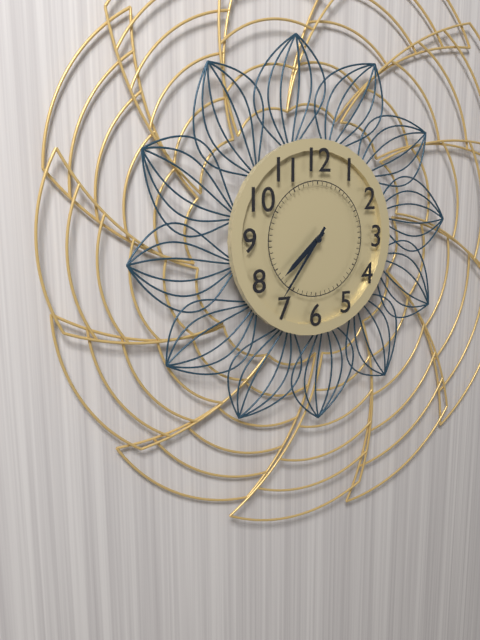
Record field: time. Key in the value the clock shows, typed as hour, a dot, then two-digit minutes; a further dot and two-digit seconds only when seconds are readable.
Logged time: 7.36
